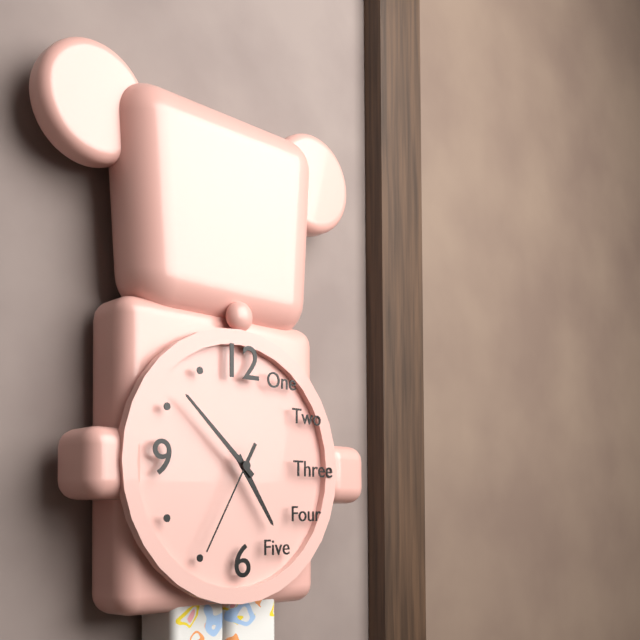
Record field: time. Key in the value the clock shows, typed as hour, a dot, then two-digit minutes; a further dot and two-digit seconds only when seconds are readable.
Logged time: 4.52.35
